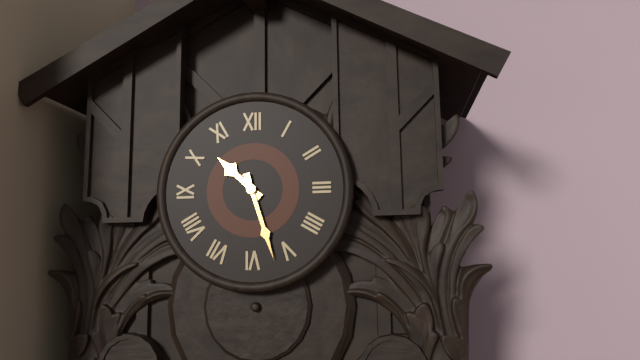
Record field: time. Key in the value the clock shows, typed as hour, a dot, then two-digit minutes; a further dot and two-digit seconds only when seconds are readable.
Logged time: 10.27
